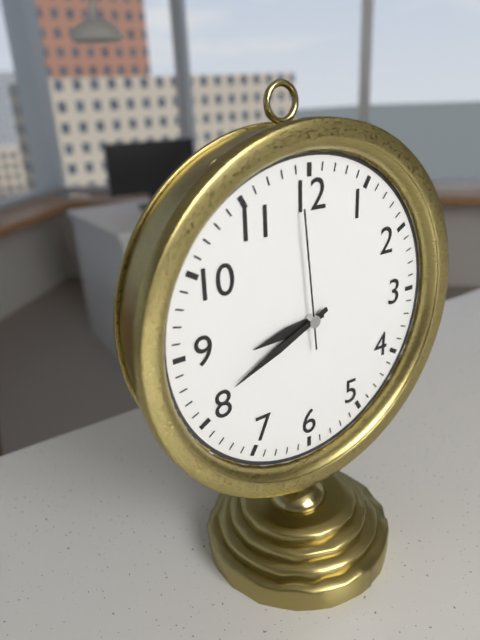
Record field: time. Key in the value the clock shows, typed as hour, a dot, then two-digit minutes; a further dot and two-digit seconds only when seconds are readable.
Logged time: 8.41.59
